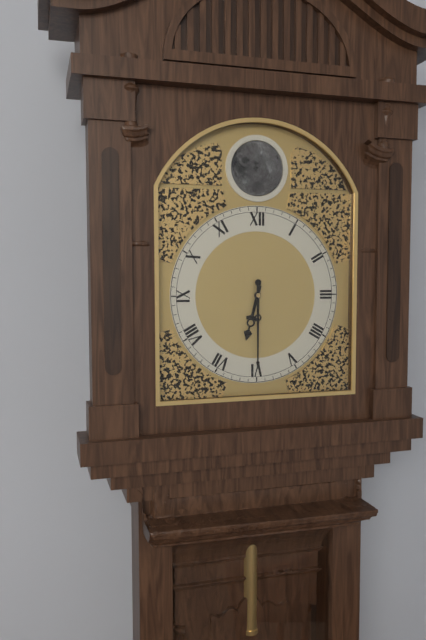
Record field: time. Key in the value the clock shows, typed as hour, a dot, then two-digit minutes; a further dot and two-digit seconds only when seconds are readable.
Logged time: 6.30
